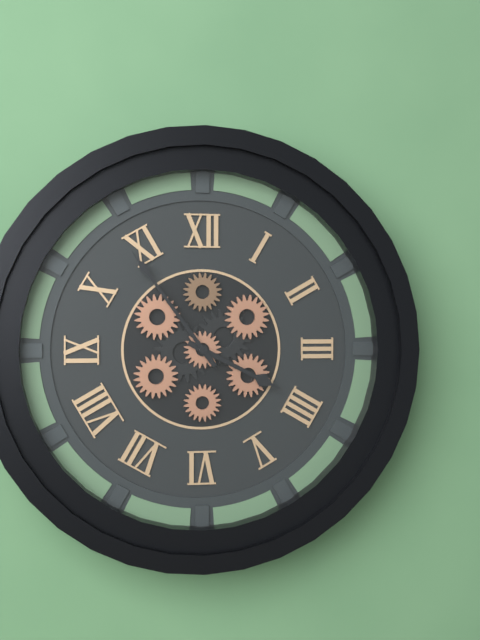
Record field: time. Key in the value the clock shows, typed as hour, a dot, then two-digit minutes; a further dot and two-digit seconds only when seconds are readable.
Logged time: 3.54
